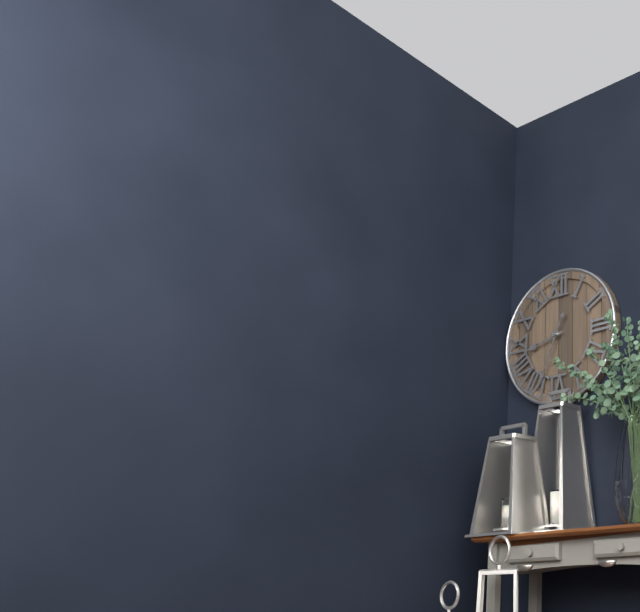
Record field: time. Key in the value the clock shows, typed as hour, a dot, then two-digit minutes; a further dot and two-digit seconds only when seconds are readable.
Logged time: 8.34
